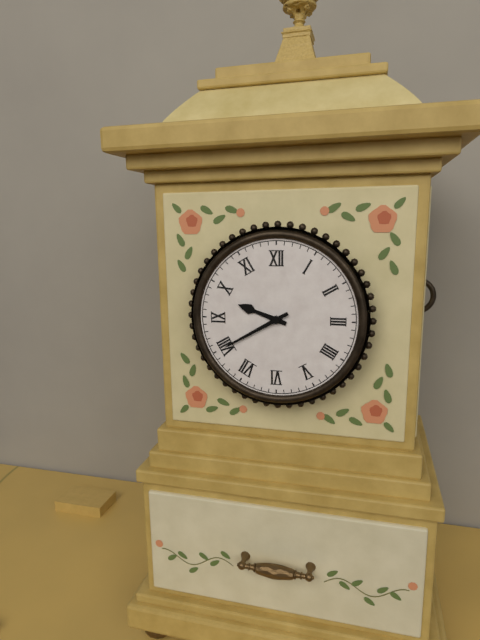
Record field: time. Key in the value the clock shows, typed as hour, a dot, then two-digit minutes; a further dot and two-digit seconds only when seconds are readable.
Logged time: 9.40
